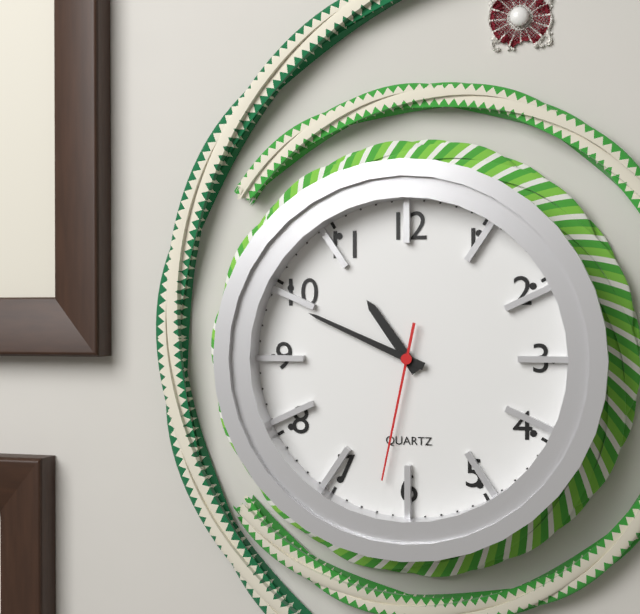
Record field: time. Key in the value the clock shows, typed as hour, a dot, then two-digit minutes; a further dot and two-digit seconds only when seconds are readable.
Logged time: 10.49.32
